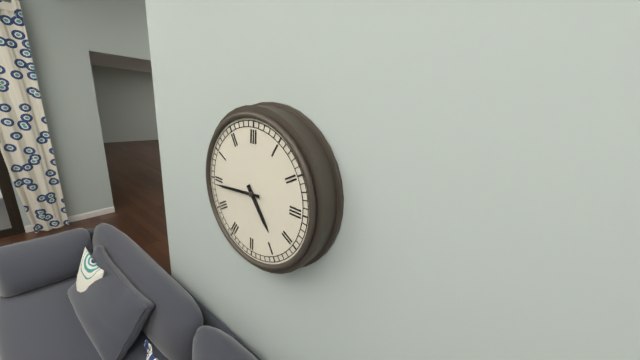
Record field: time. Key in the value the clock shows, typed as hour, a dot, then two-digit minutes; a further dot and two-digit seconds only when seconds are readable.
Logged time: 4.44
